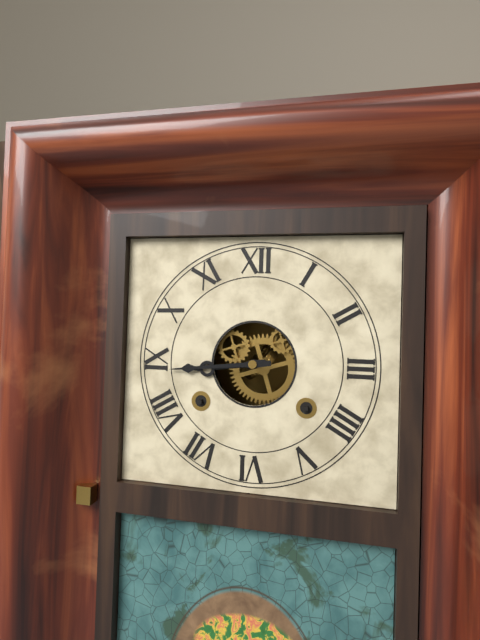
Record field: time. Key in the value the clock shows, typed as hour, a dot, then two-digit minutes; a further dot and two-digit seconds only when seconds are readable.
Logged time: 8.44
